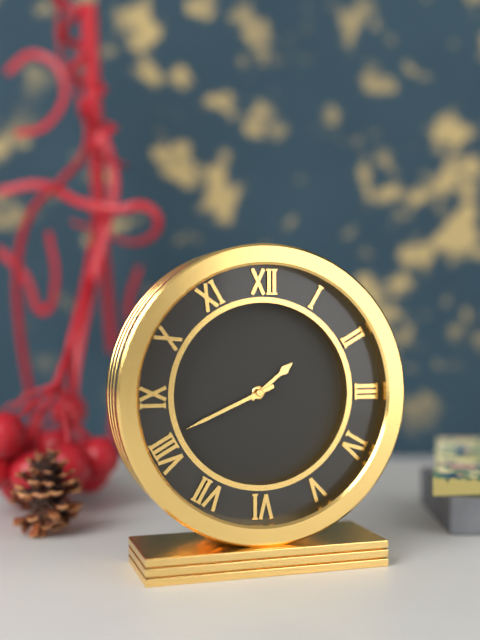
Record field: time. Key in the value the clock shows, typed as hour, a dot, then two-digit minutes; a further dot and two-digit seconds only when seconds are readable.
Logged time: 1.41
